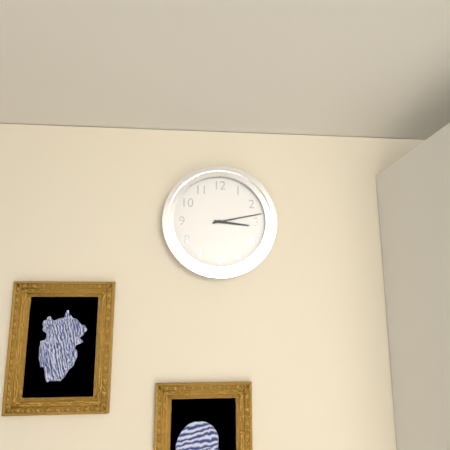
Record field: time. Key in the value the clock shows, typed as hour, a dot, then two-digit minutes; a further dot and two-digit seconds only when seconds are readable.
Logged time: 3.13
